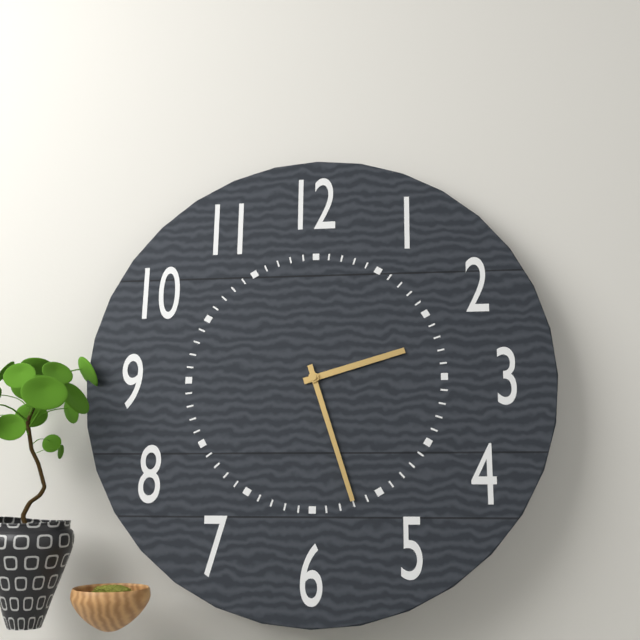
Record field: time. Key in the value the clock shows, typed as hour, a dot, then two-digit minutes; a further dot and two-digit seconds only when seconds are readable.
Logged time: 2.27
